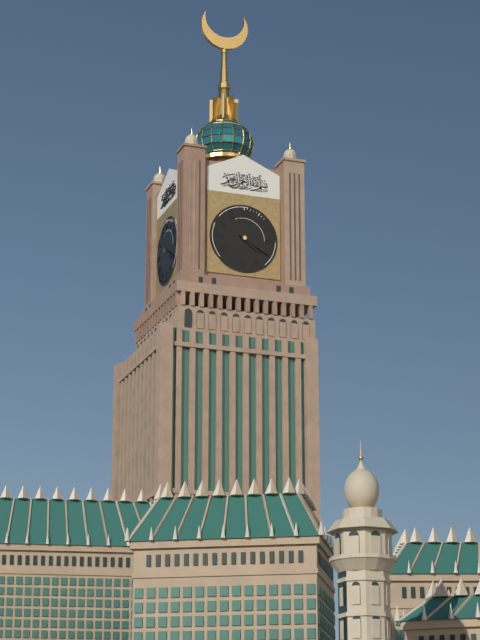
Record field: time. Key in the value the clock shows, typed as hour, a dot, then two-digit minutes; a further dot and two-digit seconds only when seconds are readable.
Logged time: 4.20
